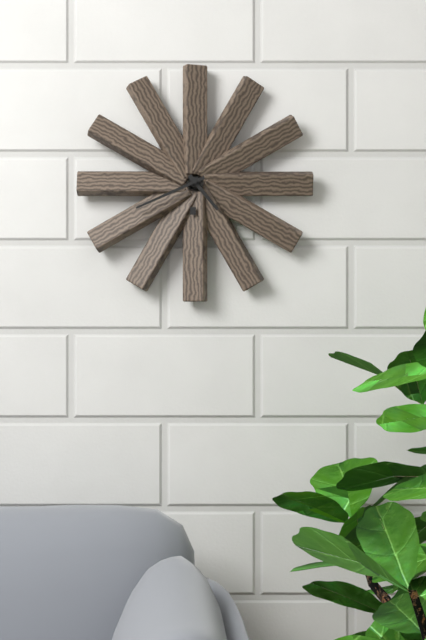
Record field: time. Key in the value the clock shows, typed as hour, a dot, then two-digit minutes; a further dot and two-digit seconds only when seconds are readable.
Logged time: 4.41
